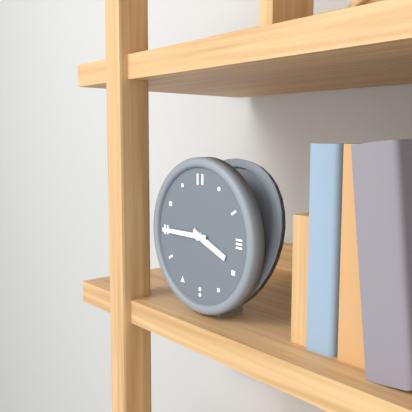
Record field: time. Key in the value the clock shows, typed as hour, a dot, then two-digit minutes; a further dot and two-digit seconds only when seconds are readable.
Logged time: 3.45
